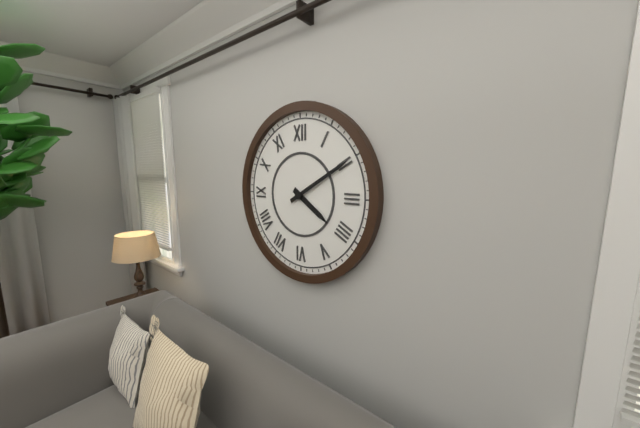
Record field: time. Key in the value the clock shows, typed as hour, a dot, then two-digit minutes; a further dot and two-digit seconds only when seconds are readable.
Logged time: 4.10
